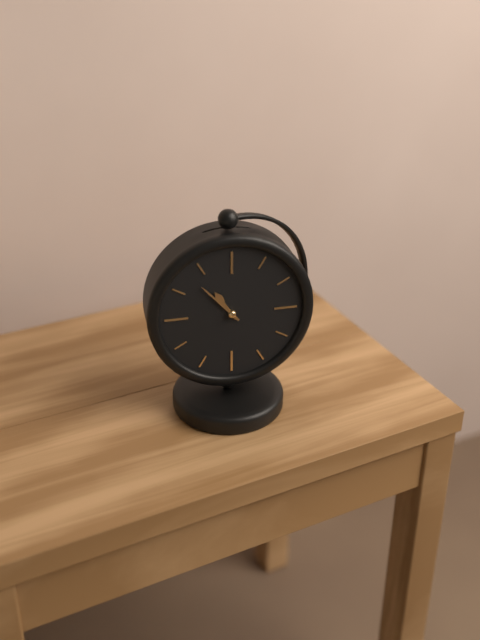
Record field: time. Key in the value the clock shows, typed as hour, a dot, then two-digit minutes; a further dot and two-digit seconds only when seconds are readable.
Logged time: 10.53
